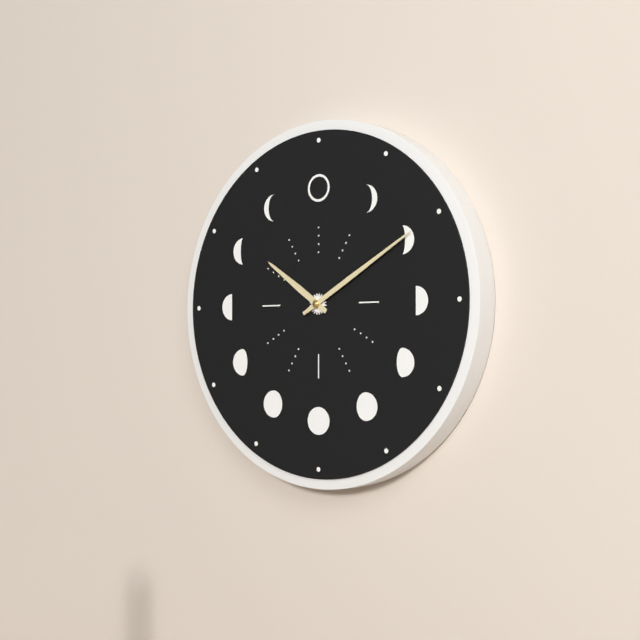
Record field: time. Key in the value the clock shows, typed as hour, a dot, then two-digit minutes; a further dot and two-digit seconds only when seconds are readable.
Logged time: 10.10
